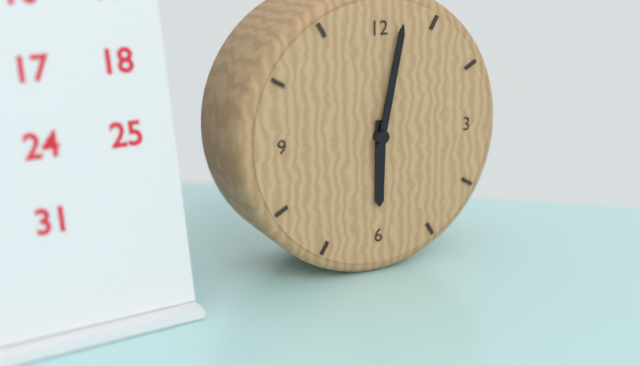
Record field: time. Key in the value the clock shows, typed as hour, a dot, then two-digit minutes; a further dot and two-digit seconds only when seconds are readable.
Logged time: 6.02
